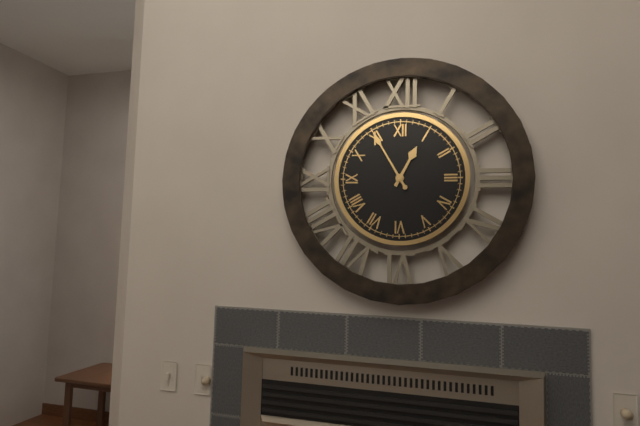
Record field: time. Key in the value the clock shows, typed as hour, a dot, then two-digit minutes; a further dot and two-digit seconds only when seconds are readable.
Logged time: 12.55
